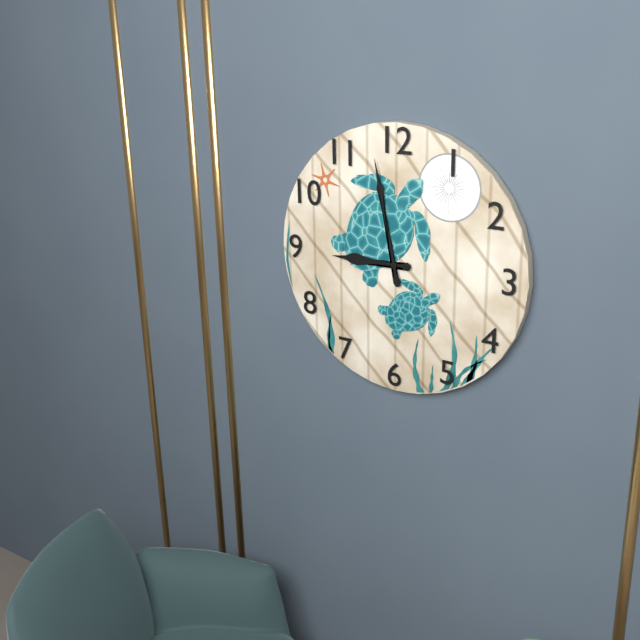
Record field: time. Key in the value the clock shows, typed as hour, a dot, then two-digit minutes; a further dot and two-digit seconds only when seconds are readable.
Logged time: 8.58
